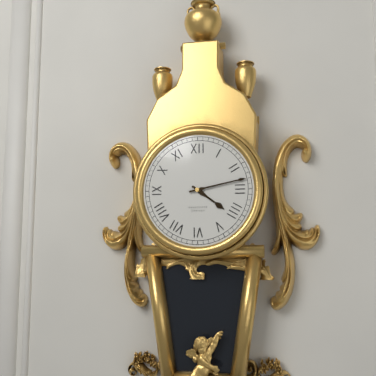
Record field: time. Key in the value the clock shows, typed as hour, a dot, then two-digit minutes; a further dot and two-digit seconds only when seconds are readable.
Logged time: 4.13
